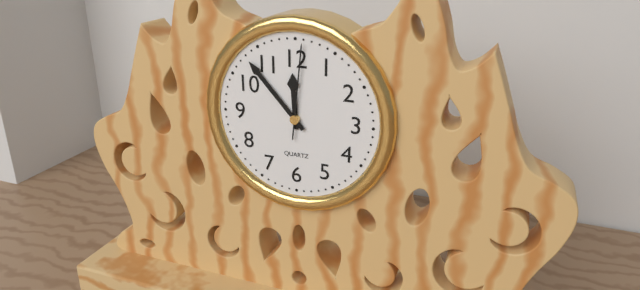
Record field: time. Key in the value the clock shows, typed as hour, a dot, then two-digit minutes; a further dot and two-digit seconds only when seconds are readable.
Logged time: 11.53.01
